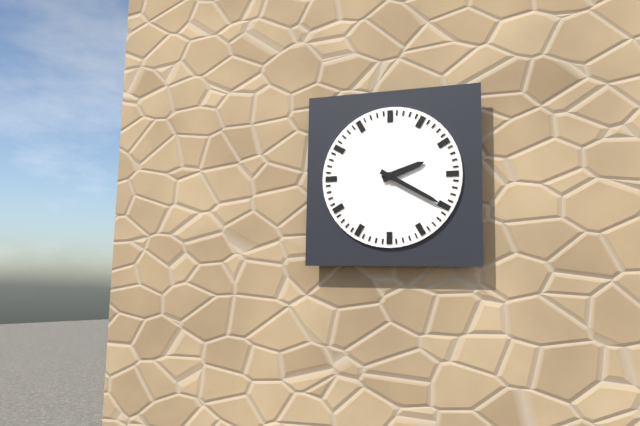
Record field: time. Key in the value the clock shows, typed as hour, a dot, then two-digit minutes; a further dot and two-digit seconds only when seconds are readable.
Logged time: 2.20
